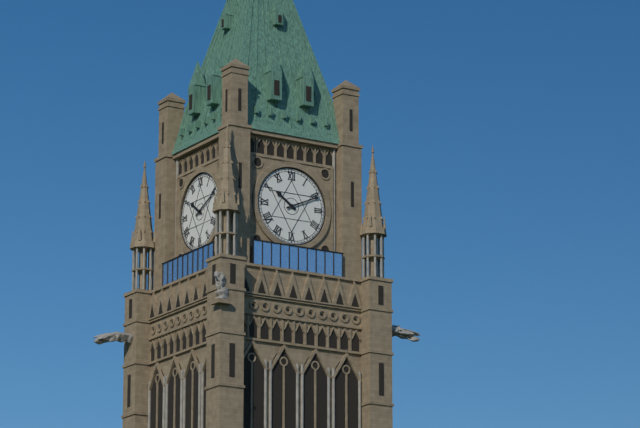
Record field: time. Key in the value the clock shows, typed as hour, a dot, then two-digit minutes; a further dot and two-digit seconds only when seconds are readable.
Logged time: 10.11
